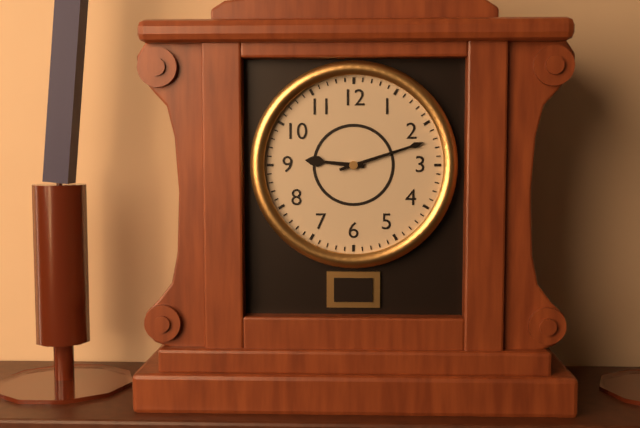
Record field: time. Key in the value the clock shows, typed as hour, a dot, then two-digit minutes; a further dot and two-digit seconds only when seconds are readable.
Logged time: 9.12
